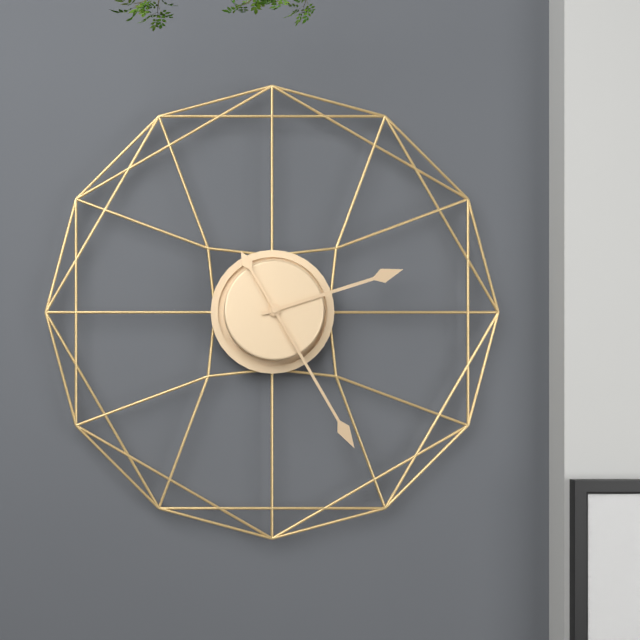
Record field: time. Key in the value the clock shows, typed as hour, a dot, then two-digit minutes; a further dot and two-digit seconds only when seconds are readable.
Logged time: 2.25
